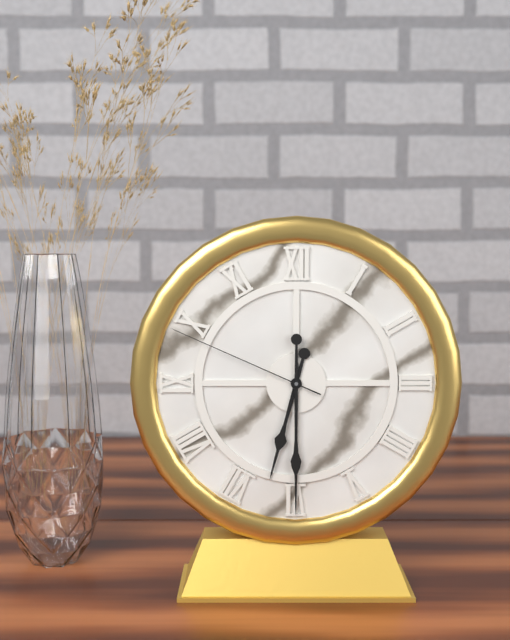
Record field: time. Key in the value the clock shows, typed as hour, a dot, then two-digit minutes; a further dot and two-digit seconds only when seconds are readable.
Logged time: 6.30.49
